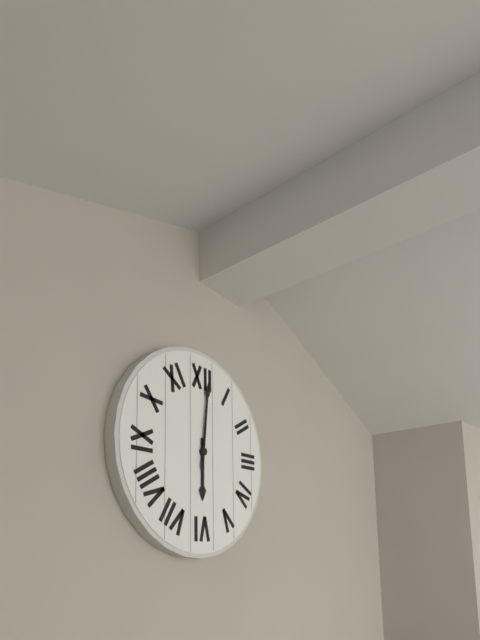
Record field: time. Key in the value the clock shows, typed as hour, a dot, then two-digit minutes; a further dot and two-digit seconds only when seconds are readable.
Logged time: 6.01
